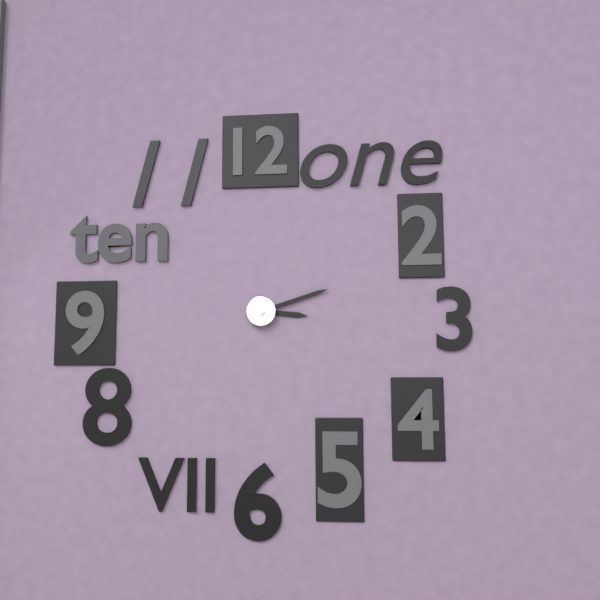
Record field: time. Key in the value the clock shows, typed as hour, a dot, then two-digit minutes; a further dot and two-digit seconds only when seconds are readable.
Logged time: 3.12
